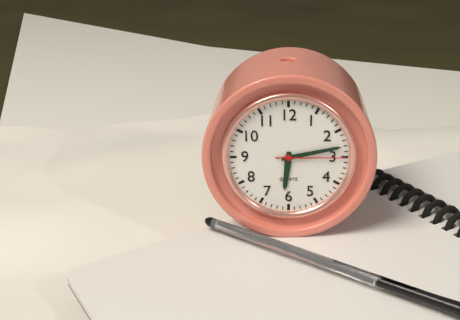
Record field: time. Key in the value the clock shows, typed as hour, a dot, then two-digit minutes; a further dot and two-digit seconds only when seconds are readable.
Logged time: 6.13.15
